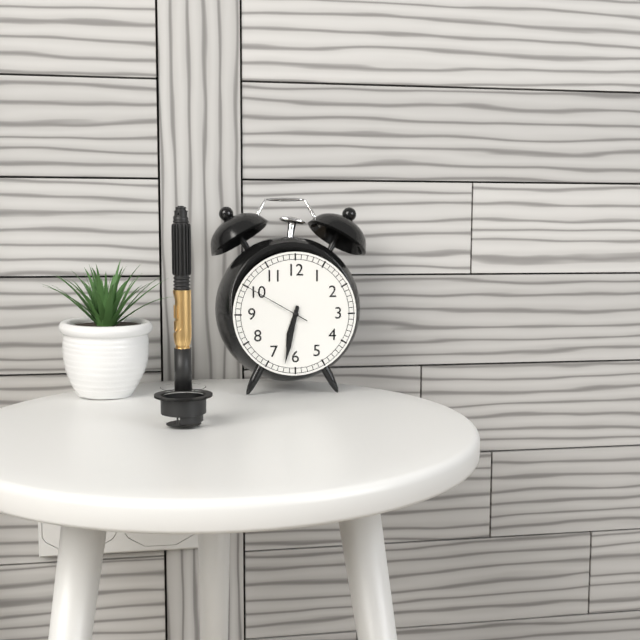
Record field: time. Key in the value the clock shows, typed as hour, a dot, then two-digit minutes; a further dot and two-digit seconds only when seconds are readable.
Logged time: 6.32.50
